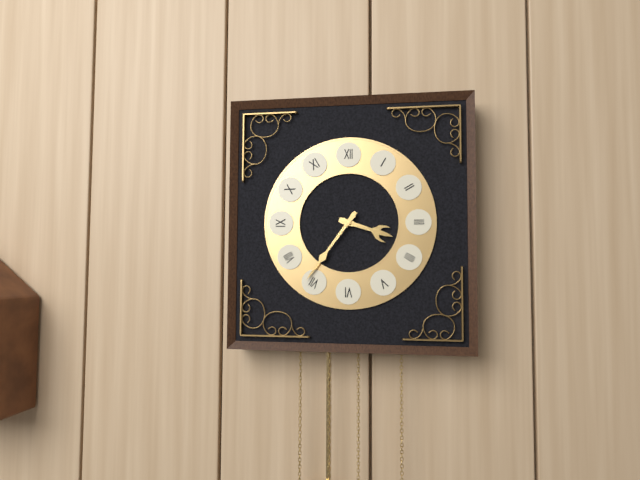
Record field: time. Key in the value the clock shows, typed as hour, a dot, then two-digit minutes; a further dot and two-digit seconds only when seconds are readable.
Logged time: 3.36
